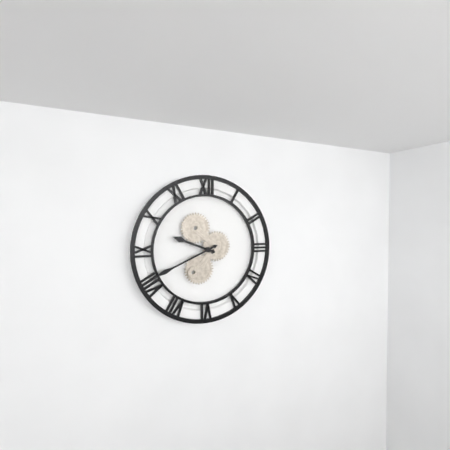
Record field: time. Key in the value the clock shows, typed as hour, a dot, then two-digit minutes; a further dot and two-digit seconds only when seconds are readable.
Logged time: 9.41
